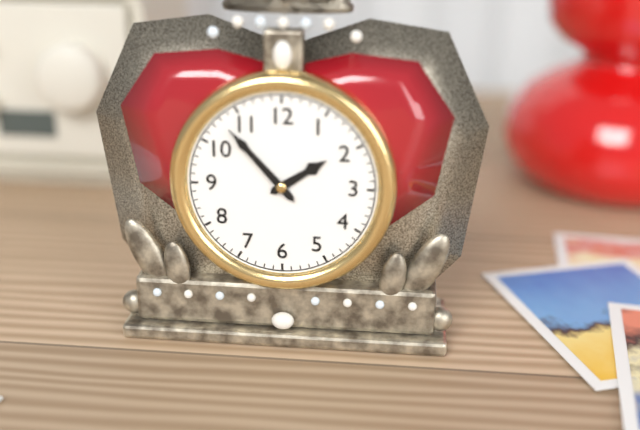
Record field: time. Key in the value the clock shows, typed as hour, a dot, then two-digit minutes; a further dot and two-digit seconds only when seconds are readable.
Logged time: 1.53
